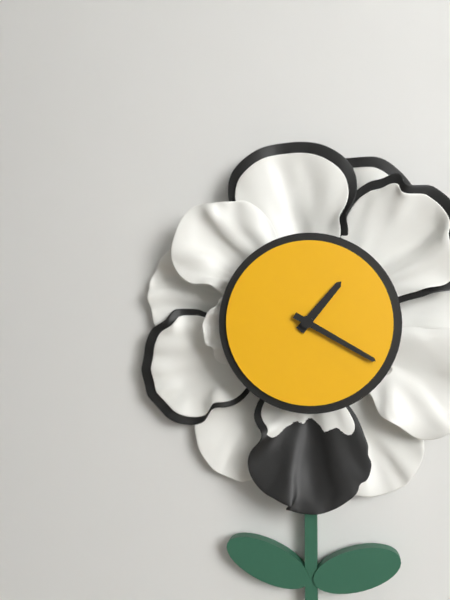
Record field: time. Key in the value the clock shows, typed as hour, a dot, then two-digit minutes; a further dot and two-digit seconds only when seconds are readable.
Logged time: 1.20
